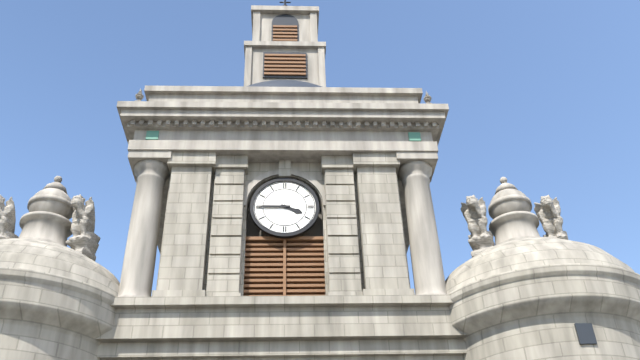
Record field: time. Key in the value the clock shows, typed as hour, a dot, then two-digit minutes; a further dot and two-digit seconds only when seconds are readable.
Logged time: 3.45
